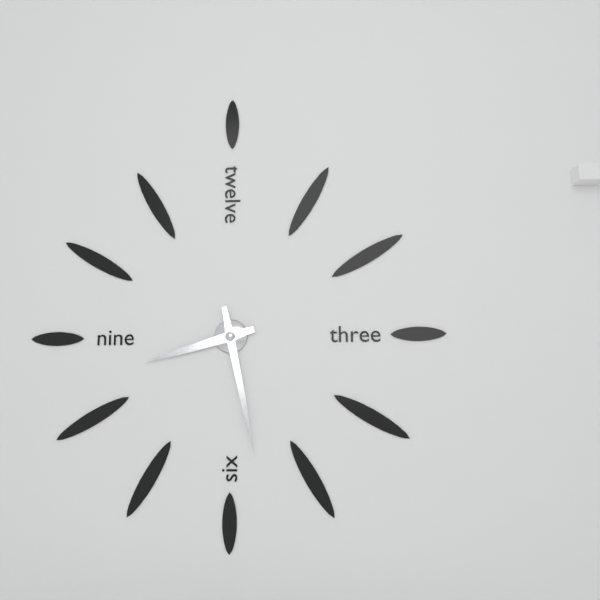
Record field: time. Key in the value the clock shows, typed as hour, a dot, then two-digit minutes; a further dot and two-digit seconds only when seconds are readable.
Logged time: 8.28
